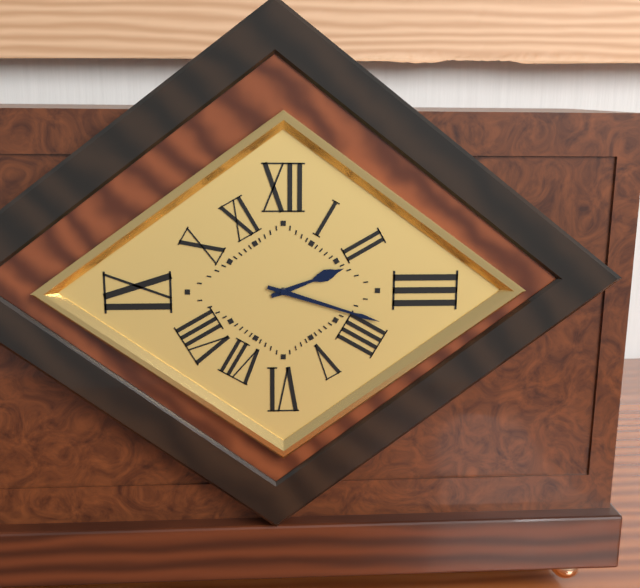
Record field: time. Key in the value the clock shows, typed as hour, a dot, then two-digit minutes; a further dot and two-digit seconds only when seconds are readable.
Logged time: 2.18
